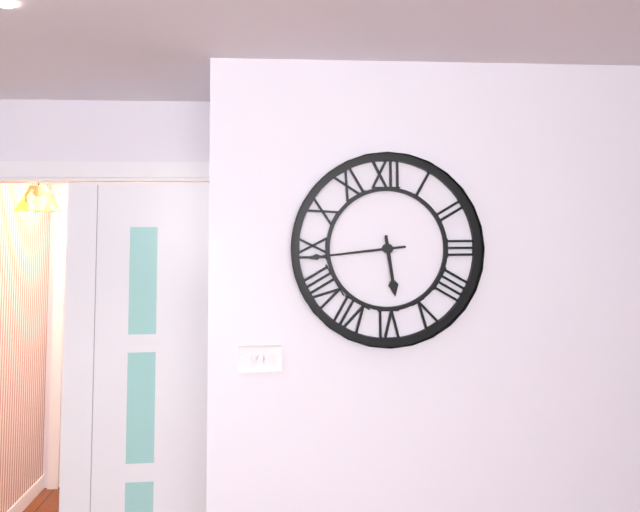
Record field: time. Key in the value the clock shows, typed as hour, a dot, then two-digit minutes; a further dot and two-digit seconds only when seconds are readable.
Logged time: 5.44
